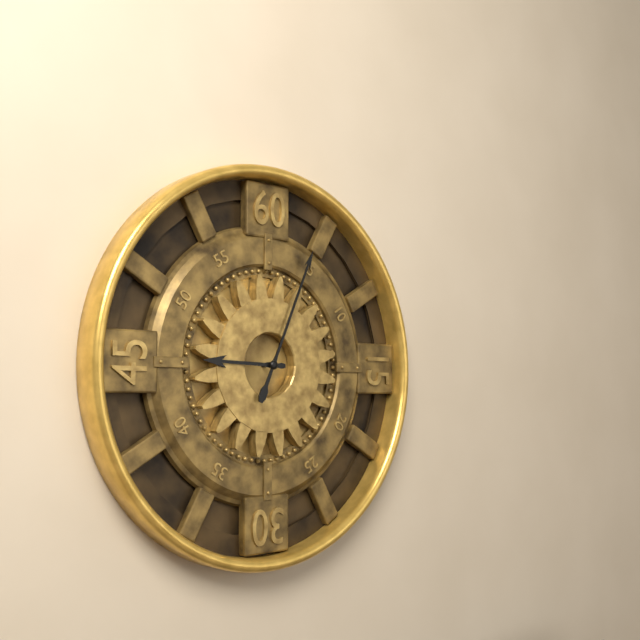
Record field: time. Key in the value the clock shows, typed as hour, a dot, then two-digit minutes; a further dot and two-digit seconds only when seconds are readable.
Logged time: 9.04
